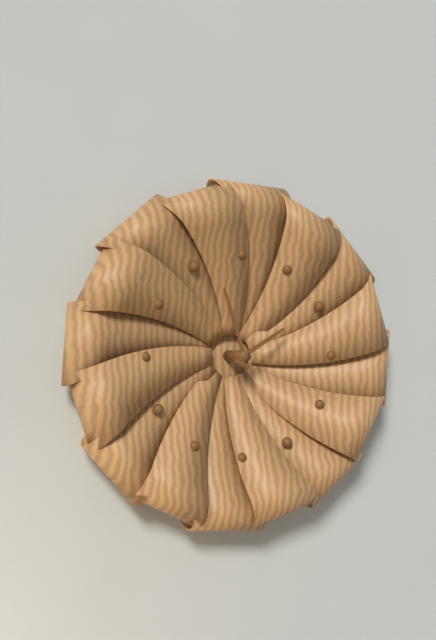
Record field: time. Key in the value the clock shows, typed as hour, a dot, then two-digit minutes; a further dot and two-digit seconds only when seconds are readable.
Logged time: 1.57
